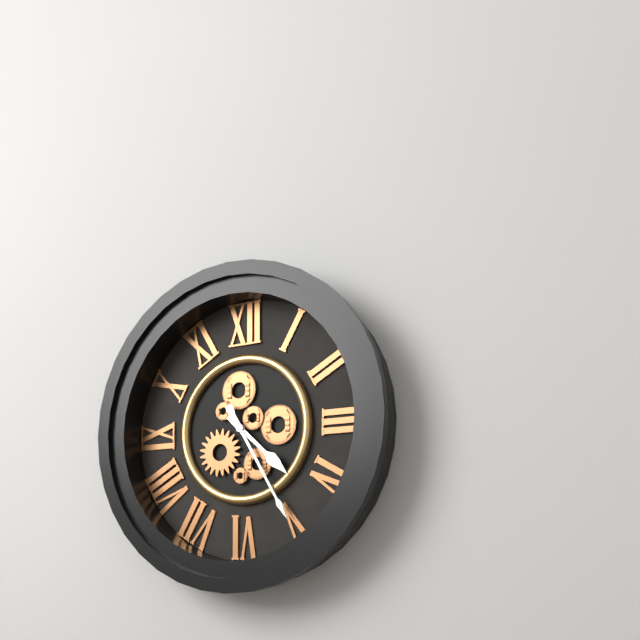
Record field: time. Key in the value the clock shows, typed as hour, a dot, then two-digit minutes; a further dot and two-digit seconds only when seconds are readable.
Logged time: 4.25
